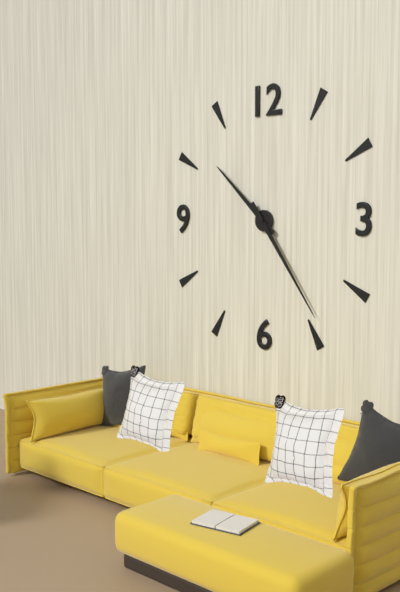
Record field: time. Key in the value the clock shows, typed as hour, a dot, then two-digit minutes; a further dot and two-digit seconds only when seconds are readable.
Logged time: 10.24
